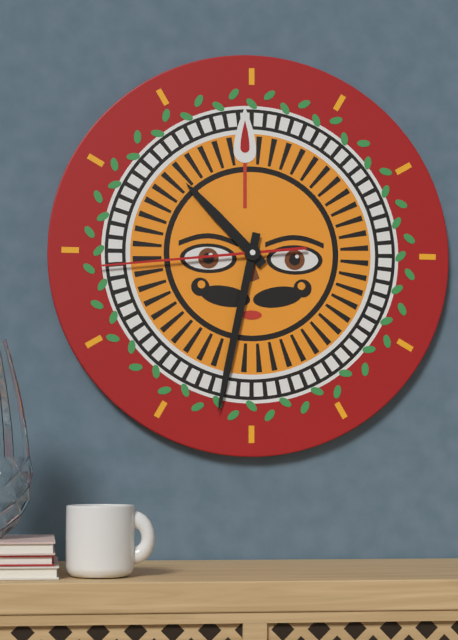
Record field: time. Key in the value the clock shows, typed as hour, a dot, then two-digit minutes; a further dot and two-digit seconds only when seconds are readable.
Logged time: 10.32.44
